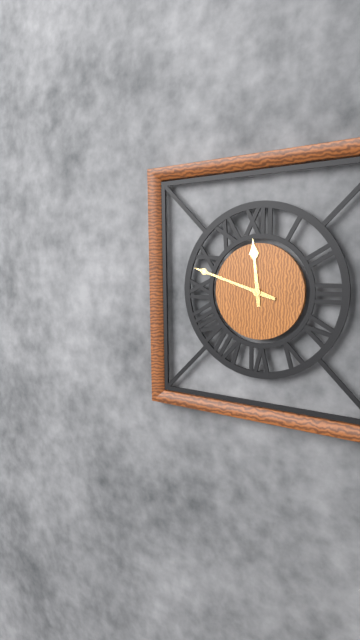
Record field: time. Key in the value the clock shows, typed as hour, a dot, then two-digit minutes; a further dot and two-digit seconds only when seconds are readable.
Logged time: 11.48
